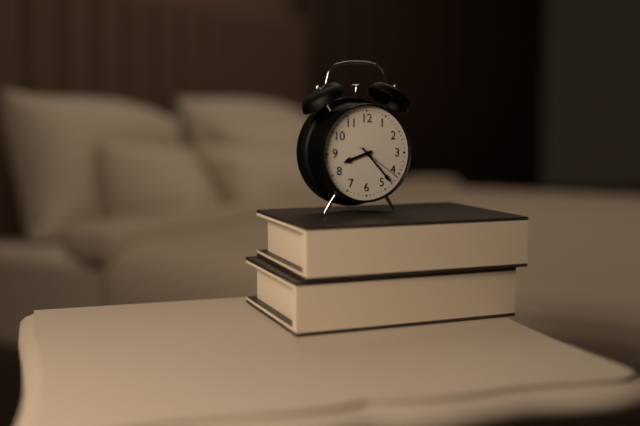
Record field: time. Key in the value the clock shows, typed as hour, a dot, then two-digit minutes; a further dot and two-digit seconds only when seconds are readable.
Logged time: 8.23.21
